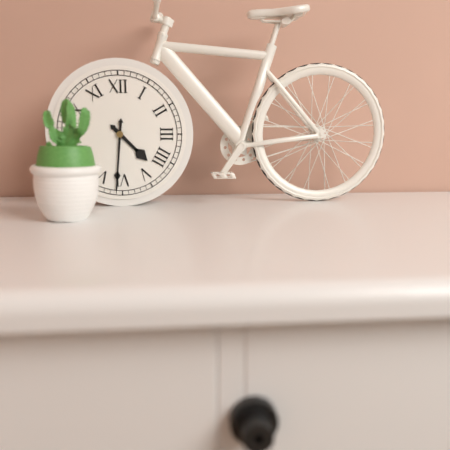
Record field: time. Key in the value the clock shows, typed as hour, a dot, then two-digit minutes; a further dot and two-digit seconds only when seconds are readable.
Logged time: 4.31
